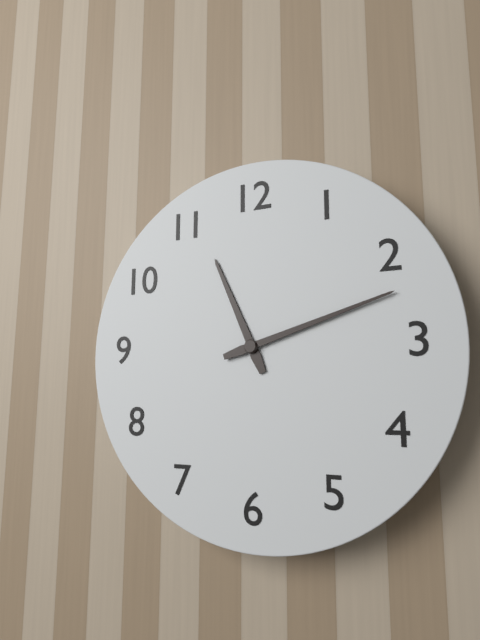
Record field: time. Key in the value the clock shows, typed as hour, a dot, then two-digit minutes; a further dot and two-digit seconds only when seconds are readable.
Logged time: 11.12
